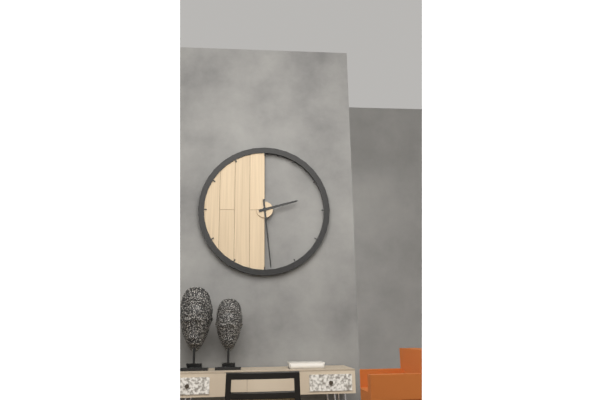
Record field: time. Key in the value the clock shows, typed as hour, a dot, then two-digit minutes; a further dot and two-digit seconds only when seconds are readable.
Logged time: 2.29
